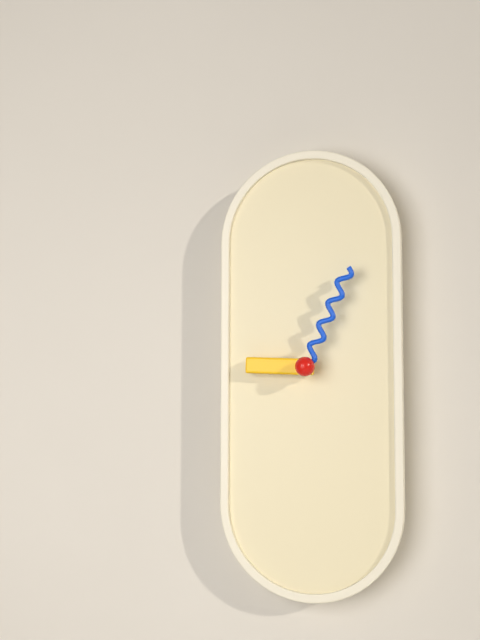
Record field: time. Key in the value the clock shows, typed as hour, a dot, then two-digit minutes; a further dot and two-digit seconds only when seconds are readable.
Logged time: 9.04
